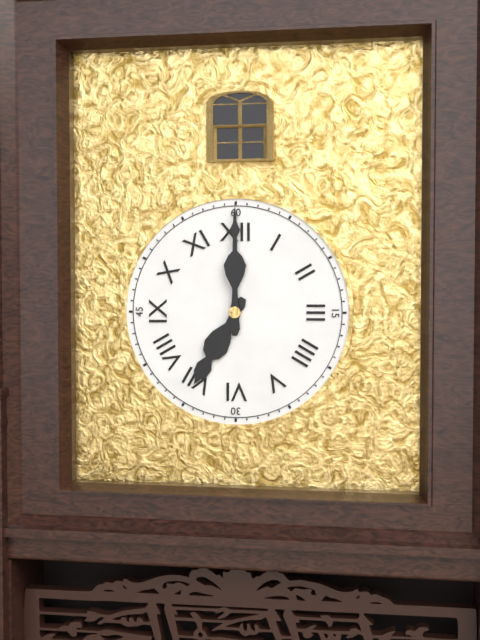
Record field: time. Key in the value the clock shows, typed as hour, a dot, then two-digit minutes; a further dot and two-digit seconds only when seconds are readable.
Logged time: 7.00
